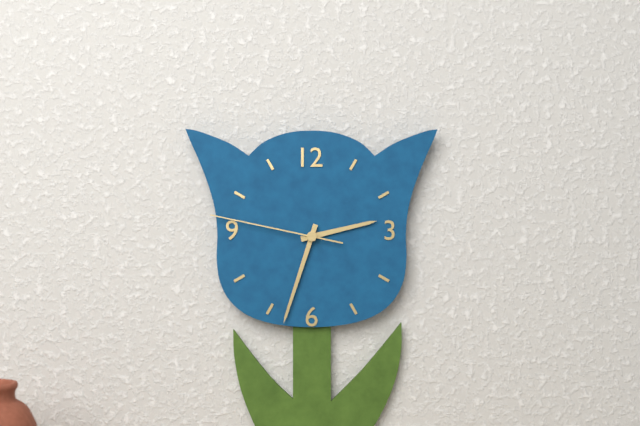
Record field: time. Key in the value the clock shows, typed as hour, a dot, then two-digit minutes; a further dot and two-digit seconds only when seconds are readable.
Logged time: 2.33.47
